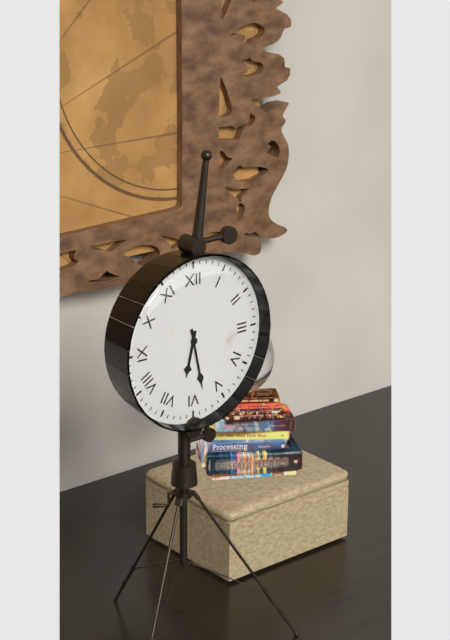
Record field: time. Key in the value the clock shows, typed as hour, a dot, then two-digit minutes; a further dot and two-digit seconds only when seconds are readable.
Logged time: 6.28
